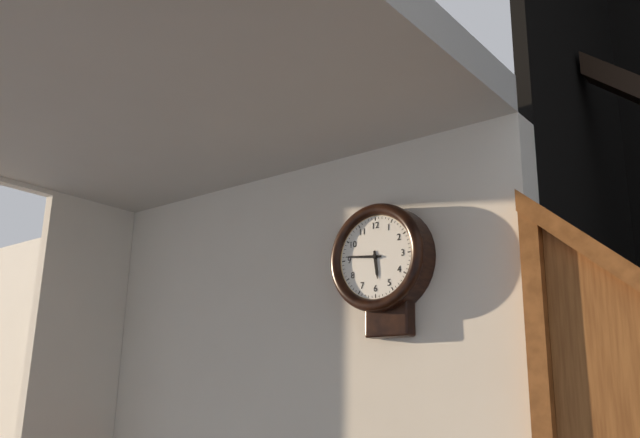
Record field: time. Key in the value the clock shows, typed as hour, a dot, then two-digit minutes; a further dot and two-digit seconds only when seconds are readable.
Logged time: 5.46
